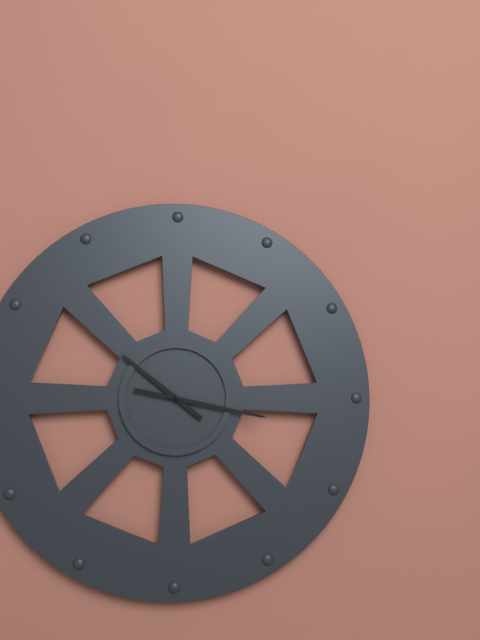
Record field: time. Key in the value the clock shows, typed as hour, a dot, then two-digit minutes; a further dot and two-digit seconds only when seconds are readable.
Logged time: 10.17
